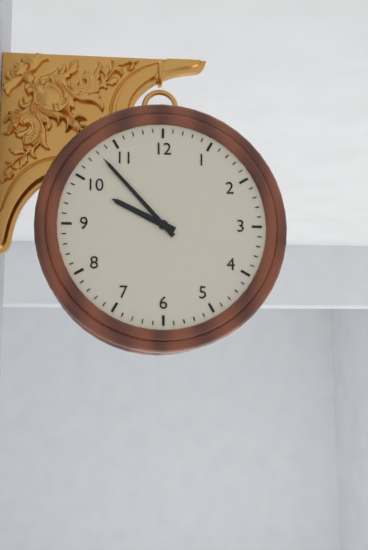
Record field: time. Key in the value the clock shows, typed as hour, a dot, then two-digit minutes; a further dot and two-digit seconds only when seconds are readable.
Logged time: 9.53
